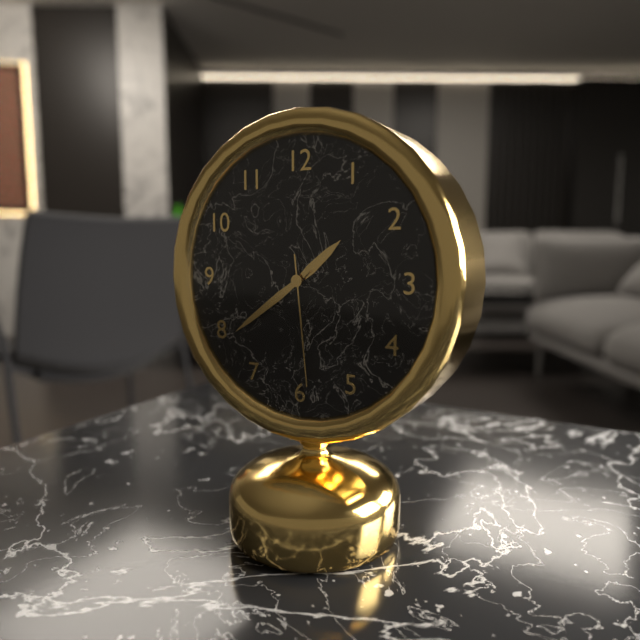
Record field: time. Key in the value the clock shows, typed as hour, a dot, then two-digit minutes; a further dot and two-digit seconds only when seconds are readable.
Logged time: 1.39.29
